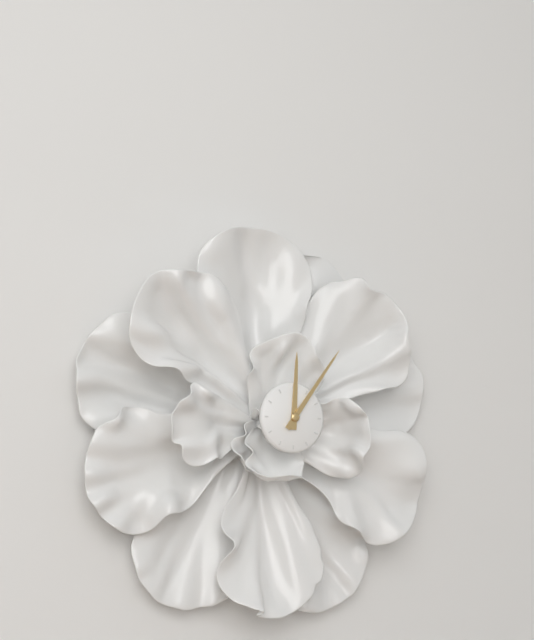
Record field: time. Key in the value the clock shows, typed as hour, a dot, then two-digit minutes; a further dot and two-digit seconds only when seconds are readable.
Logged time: 12.06
